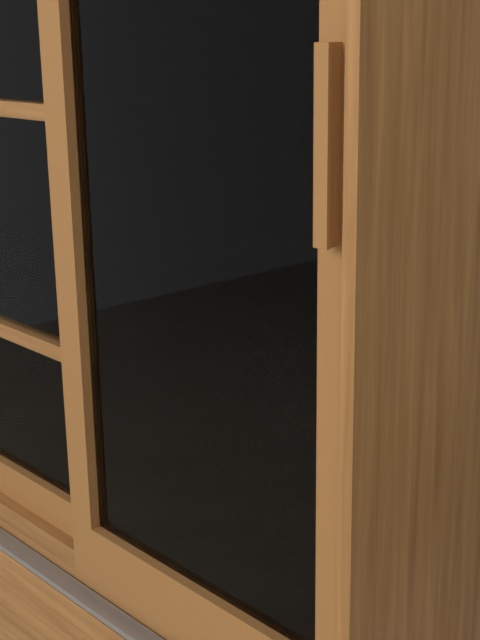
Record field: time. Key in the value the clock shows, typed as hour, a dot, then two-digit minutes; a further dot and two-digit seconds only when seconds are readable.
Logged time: 9.41
